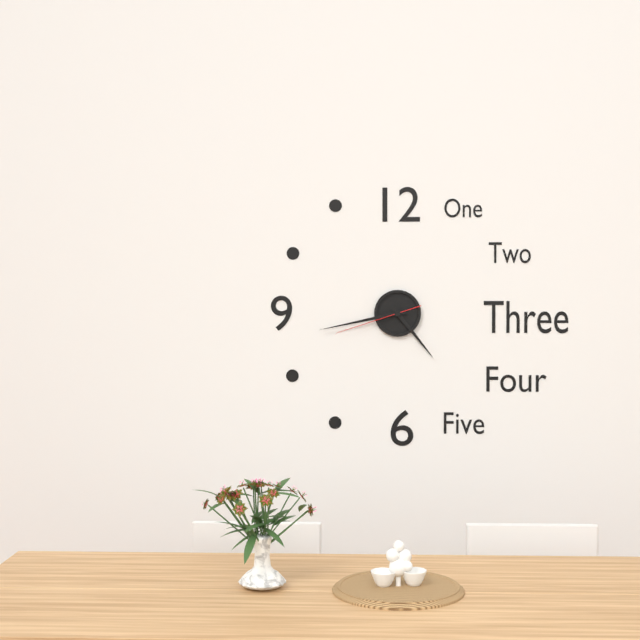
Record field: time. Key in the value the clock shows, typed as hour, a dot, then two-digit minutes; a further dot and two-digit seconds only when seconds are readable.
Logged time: 4.43.42
